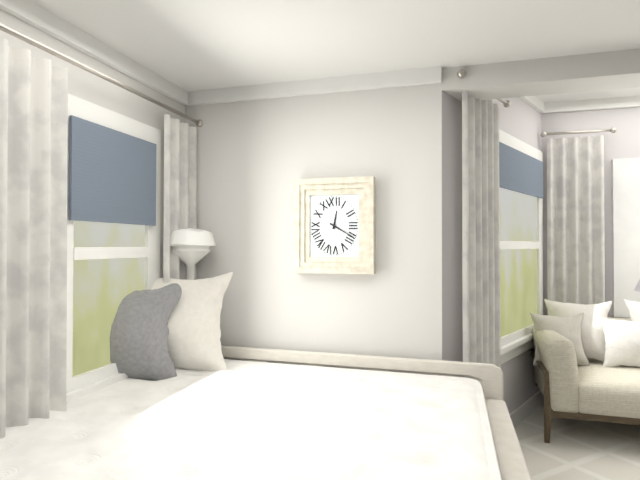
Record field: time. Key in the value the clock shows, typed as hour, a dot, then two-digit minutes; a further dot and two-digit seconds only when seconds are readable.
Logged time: 12.20
